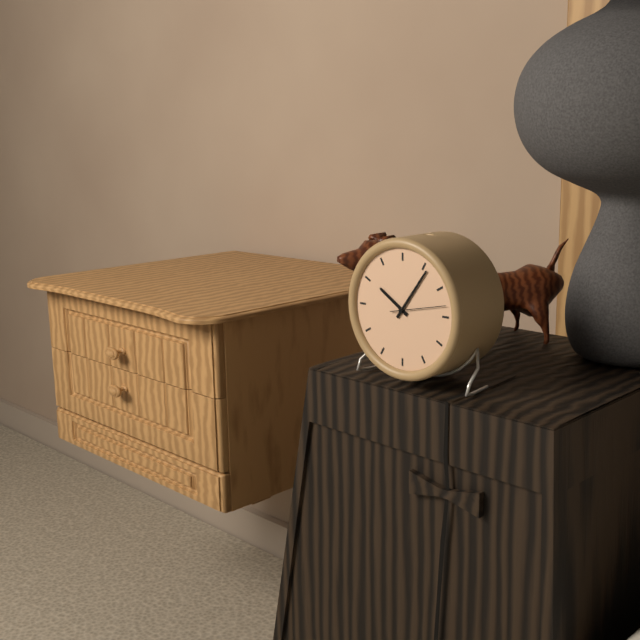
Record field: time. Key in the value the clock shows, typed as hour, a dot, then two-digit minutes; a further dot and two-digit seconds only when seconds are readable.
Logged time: 10.06.13
